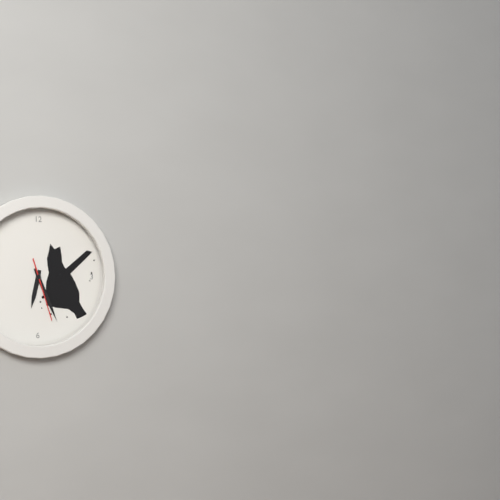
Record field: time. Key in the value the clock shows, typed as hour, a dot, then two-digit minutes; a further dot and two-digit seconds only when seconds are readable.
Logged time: 6.26.27
